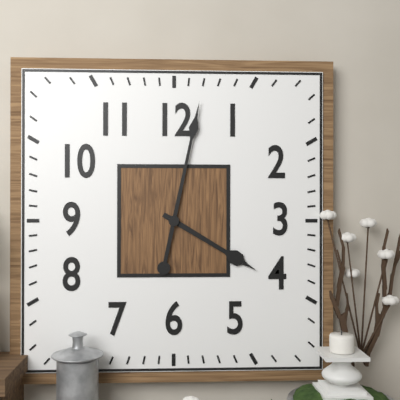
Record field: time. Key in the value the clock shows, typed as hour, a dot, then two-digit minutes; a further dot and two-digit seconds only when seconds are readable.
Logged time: 4.02
